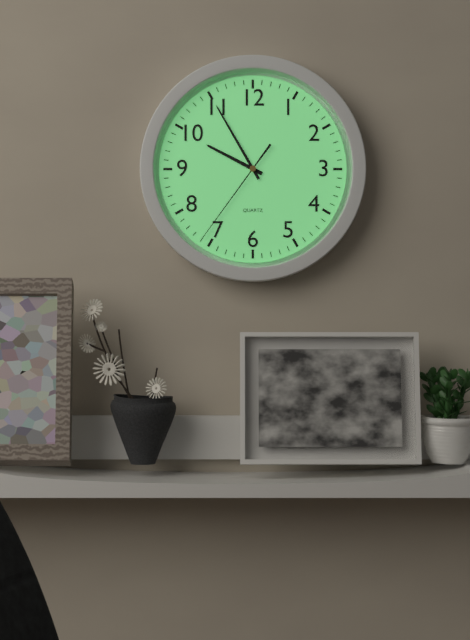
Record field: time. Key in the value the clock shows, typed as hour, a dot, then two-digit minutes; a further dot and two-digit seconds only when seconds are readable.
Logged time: 9.55.36
